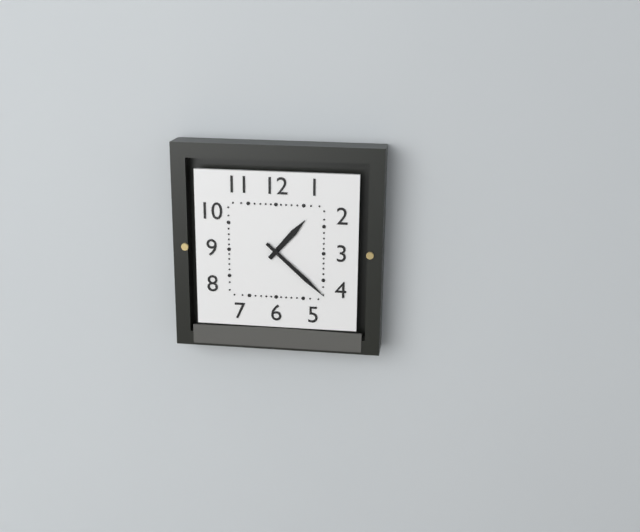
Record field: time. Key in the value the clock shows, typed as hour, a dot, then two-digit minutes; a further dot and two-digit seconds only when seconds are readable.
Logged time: 1.22
